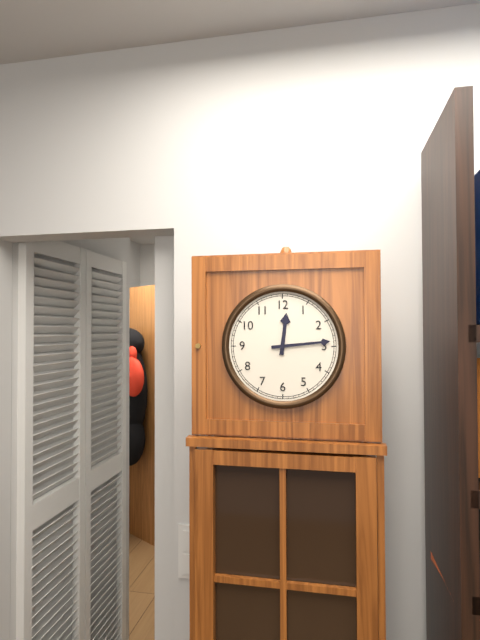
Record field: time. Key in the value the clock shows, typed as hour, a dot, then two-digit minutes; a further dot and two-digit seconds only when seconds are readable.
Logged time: 12.14
